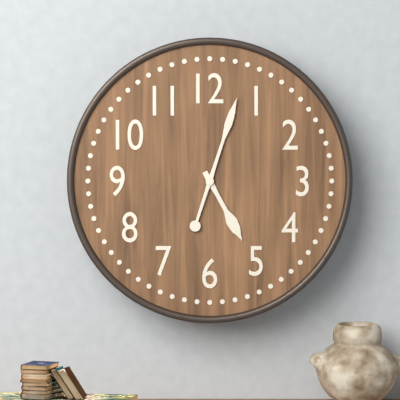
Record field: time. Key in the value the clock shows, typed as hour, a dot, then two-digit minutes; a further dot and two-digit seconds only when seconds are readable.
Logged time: 5.03
